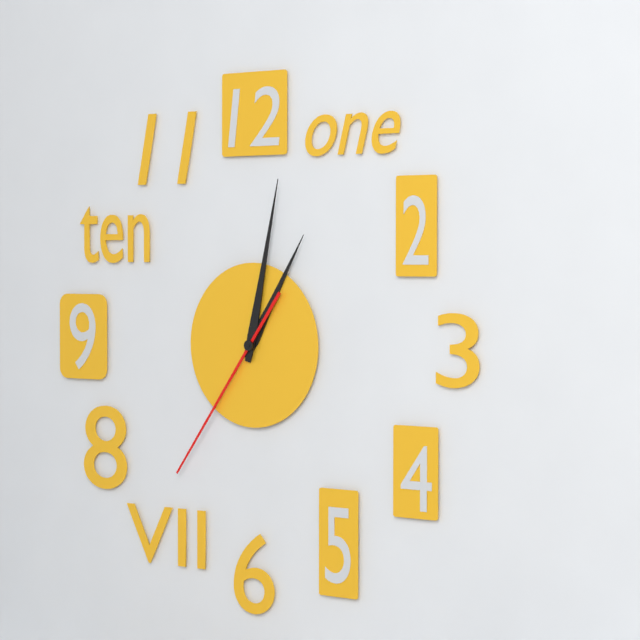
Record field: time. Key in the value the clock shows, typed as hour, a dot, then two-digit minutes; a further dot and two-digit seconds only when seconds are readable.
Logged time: 1.02.36
